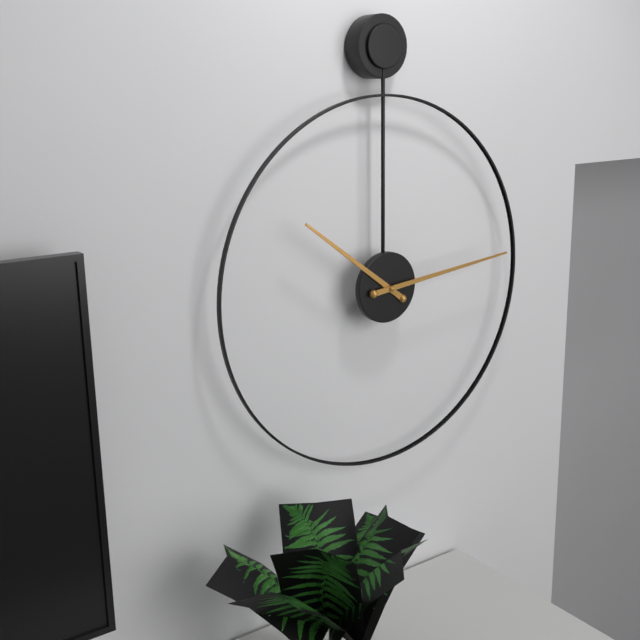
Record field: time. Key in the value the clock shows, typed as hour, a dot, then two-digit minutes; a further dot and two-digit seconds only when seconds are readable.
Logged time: 10.14
